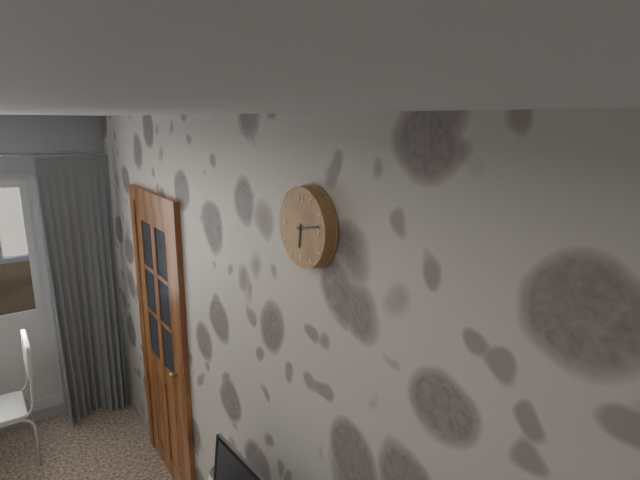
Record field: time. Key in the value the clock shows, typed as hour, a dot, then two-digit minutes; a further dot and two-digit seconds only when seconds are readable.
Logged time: 6.13
